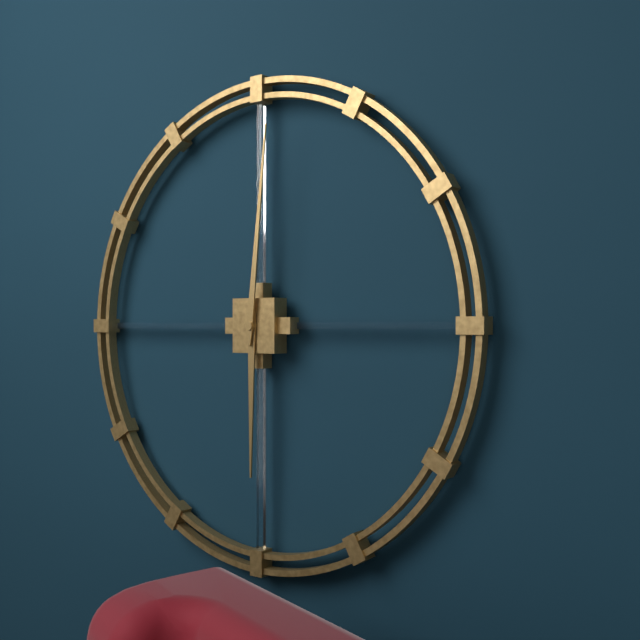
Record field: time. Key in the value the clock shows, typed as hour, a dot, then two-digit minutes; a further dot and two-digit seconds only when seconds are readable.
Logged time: 6.01
